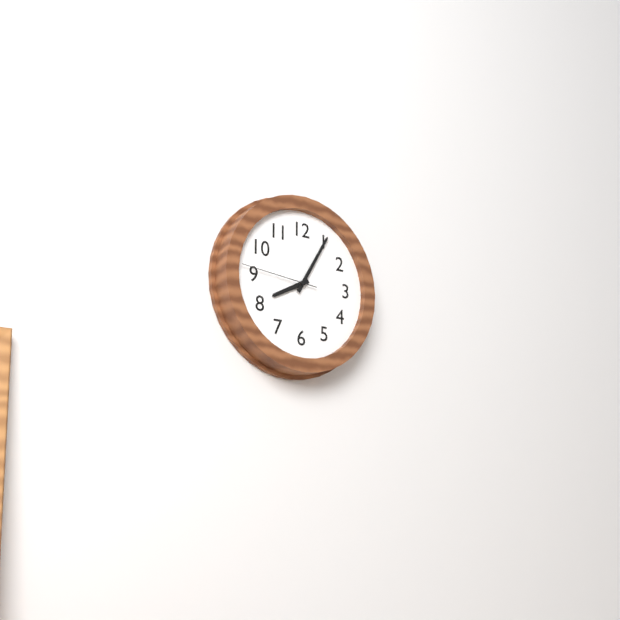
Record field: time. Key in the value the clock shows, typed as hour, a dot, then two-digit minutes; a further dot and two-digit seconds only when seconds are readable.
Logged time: 8.05.46
